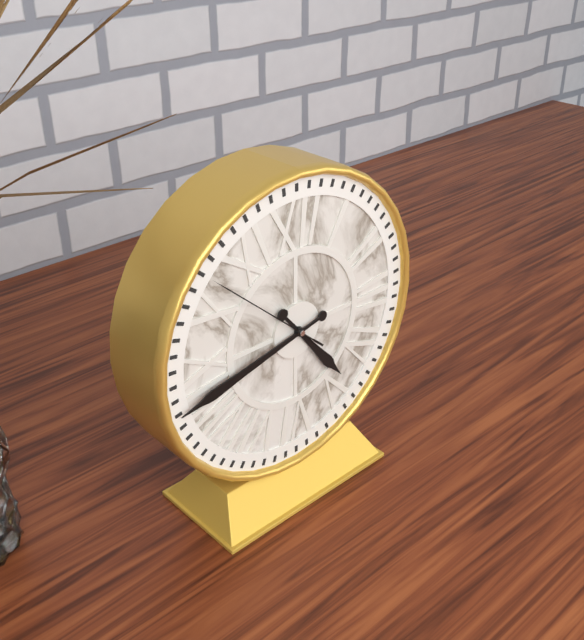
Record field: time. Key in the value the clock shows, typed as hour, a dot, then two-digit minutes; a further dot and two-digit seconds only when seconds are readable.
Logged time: 4.43.52
